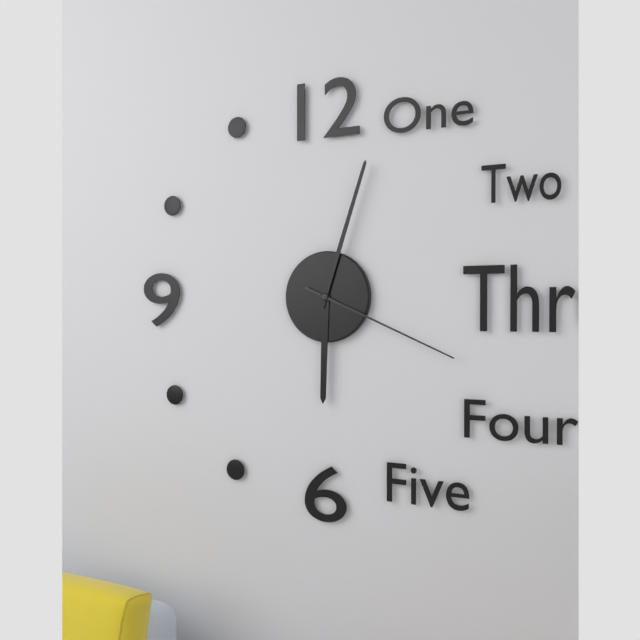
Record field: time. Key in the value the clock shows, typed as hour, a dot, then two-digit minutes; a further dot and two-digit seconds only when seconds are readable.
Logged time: 6.03.19
